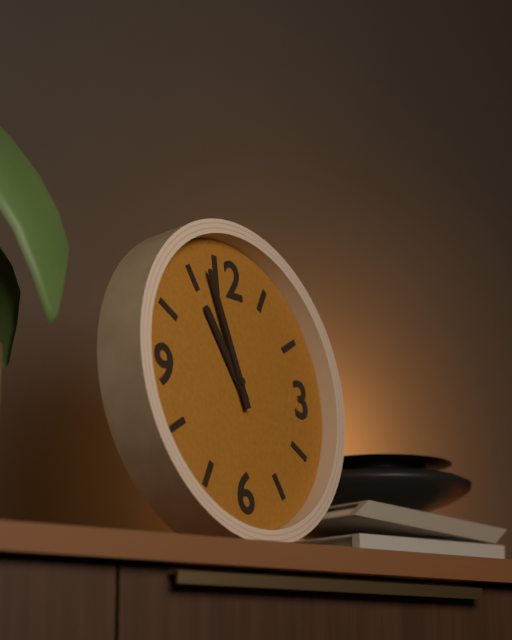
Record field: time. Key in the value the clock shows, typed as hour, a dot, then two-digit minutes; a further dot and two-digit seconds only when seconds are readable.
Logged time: 10.57
